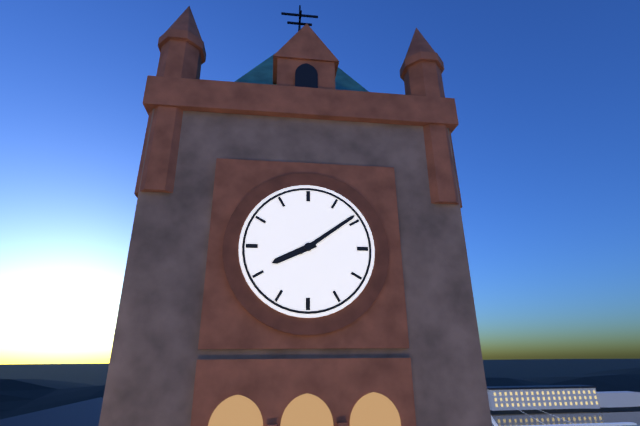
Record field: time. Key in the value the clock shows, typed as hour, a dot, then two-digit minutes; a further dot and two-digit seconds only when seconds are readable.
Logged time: 8.09
